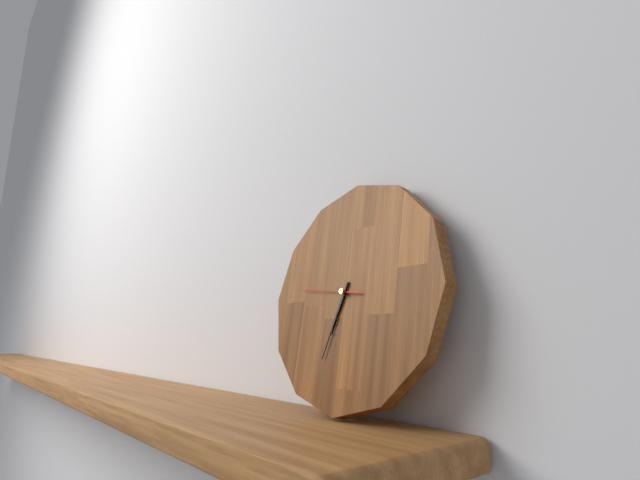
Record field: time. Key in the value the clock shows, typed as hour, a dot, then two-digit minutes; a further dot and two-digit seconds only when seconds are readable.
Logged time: 6.33.46
